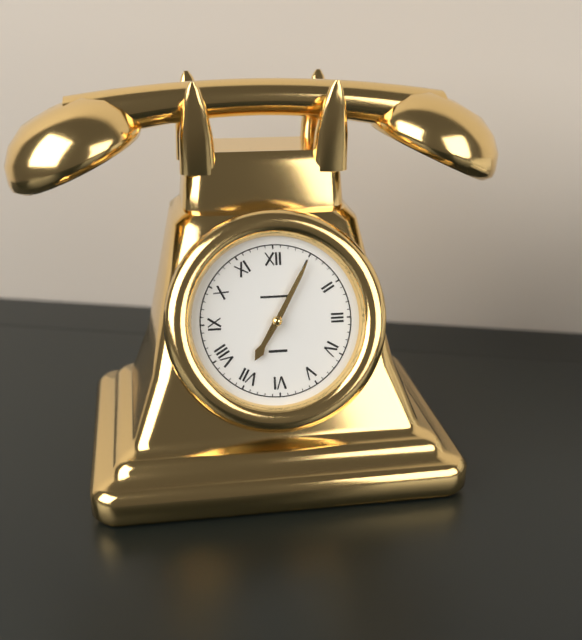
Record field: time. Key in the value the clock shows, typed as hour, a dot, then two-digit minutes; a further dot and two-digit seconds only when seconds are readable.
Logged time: 7.05
